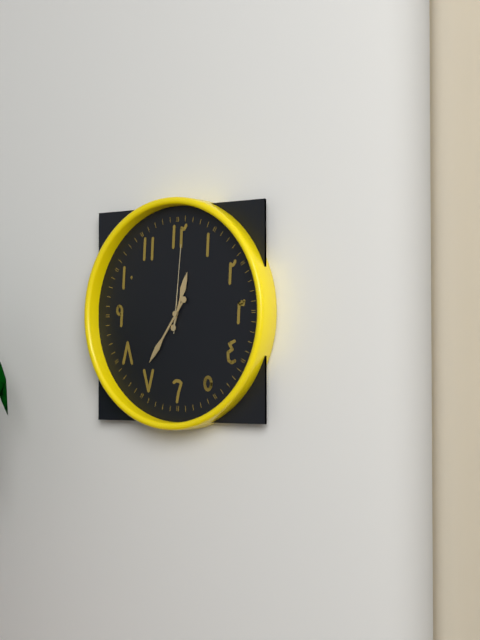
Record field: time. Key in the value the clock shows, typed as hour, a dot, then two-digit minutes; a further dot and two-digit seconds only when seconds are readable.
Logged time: 12.36.01
